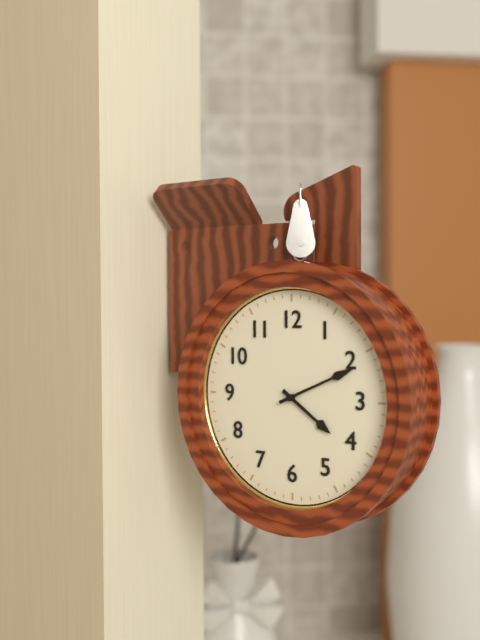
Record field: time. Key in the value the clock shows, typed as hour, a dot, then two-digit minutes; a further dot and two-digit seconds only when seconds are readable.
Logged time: 4.11
